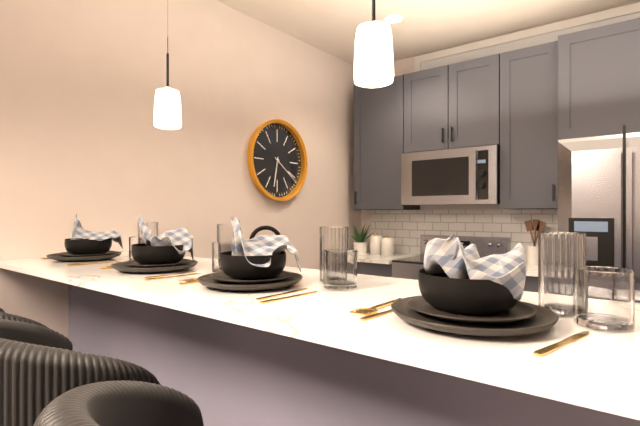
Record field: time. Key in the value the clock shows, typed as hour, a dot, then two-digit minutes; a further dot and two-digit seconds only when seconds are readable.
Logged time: 6.21
